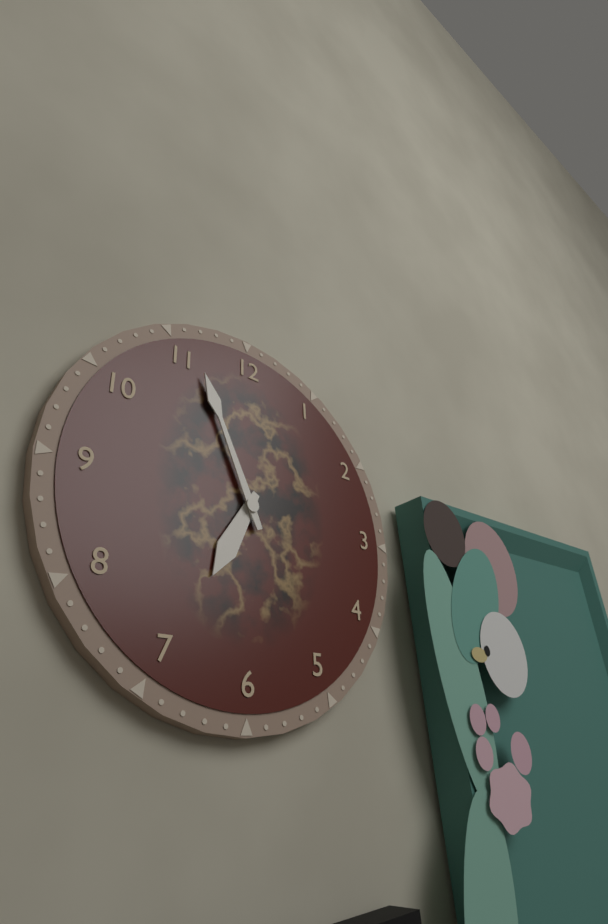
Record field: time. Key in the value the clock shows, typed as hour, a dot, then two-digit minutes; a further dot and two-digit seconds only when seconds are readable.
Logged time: 6.56
